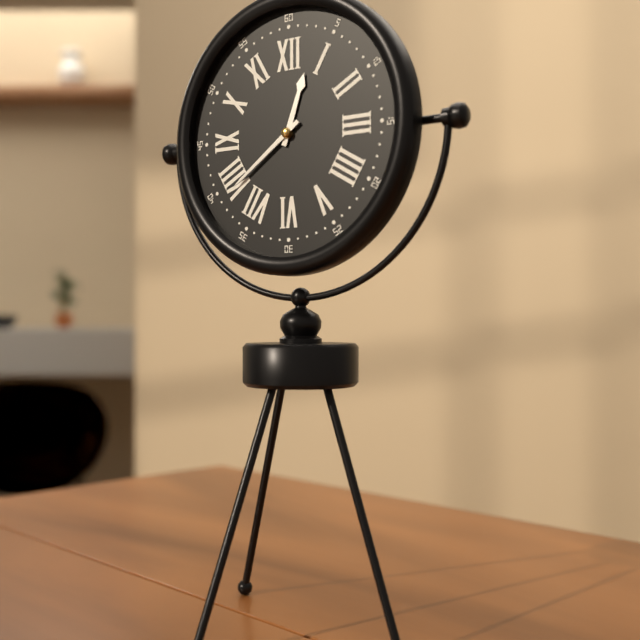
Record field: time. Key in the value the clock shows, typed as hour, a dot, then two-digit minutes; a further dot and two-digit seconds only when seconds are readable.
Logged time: 12.39
